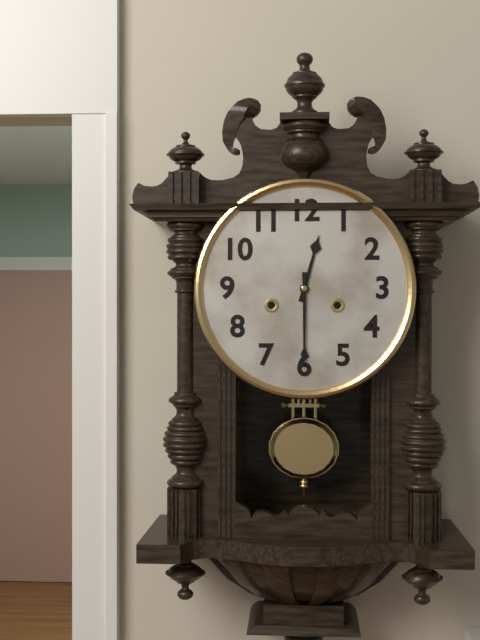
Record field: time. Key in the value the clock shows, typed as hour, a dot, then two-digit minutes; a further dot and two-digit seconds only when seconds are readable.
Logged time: 12.30
